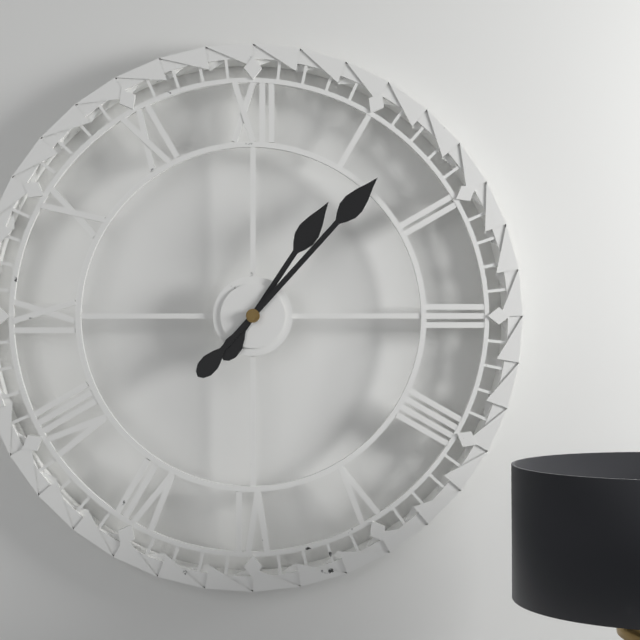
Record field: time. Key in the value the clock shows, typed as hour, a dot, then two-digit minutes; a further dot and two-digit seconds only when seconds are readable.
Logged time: 1.07
